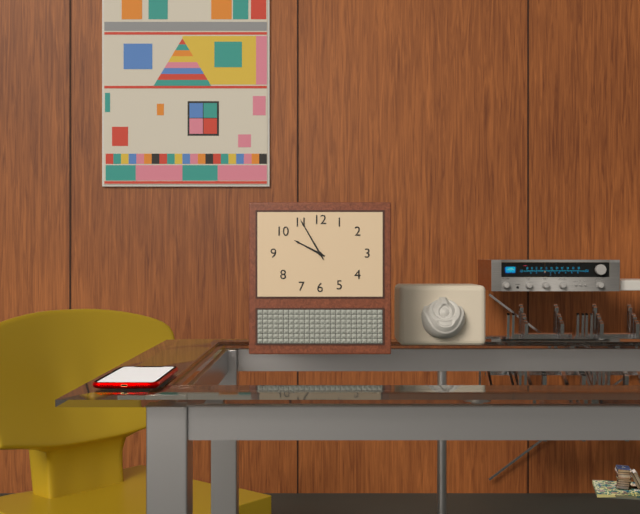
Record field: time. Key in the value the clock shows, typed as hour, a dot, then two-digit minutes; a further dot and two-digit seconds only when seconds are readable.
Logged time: 9.55
